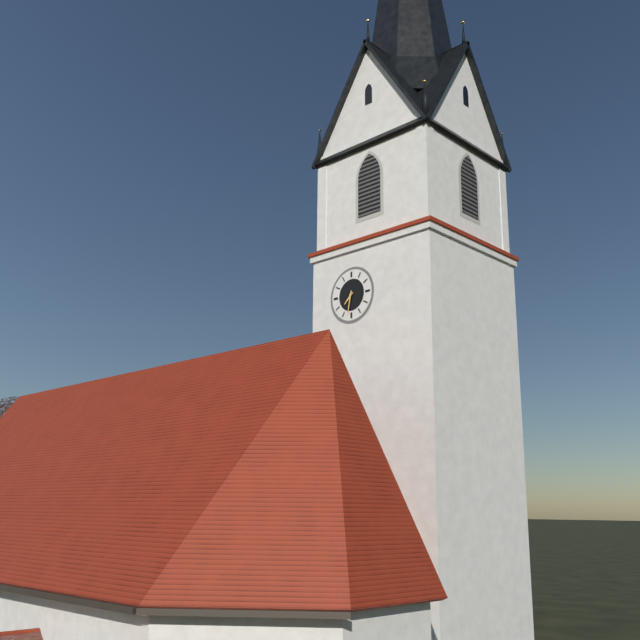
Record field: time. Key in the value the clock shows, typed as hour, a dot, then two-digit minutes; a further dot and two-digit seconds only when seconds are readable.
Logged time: 7.32
